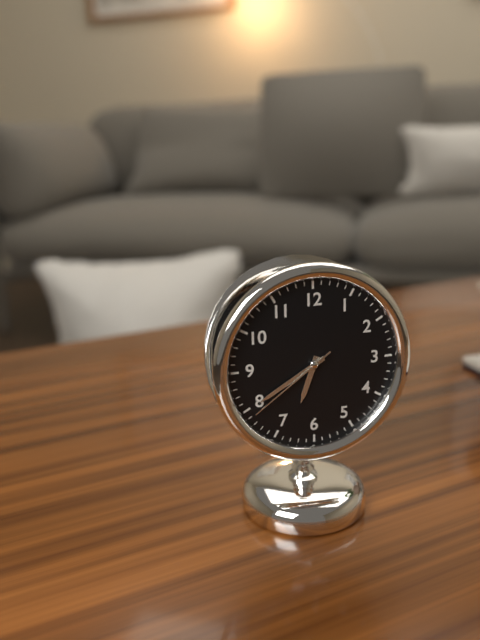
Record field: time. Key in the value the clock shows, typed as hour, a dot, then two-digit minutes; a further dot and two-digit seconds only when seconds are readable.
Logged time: 6.40.39
